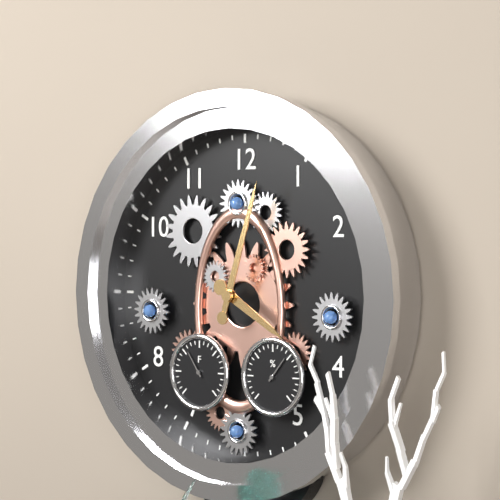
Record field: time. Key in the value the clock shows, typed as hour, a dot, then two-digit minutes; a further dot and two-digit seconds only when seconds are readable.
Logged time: 4.03
